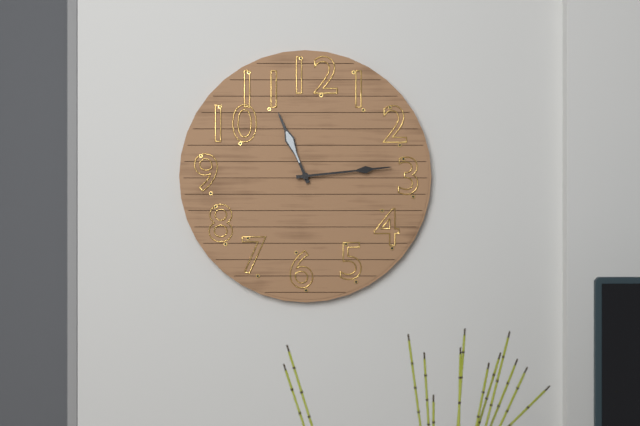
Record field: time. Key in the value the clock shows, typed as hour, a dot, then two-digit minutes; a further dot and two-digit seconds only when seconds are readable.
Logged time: 11.14
